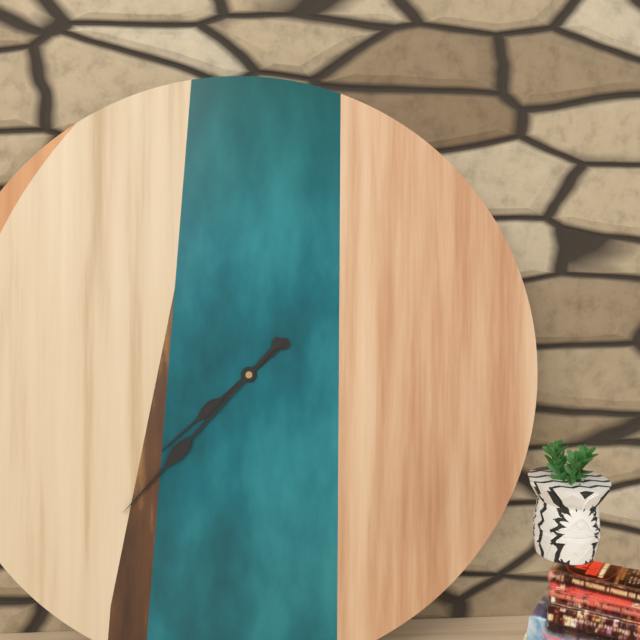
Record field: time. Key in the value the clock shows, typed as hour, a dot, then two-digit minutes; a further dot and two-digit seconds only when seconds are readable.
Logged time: 7.37
